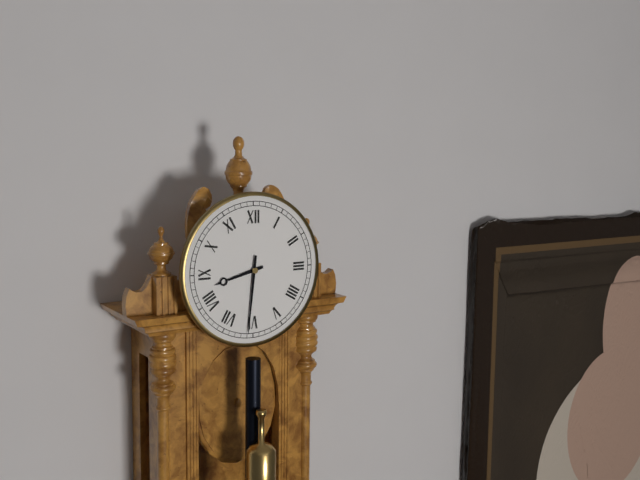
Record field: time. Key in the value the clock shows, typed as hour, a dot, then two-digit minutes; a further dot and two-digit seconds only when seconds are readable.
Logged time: 8.31
